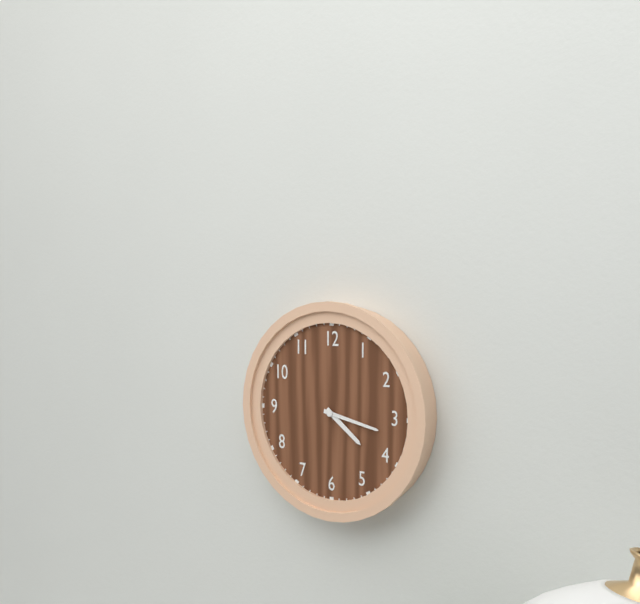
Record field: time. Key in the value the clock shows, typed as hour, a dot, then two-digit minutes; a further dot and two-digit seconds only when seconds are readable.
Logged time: 4.17
